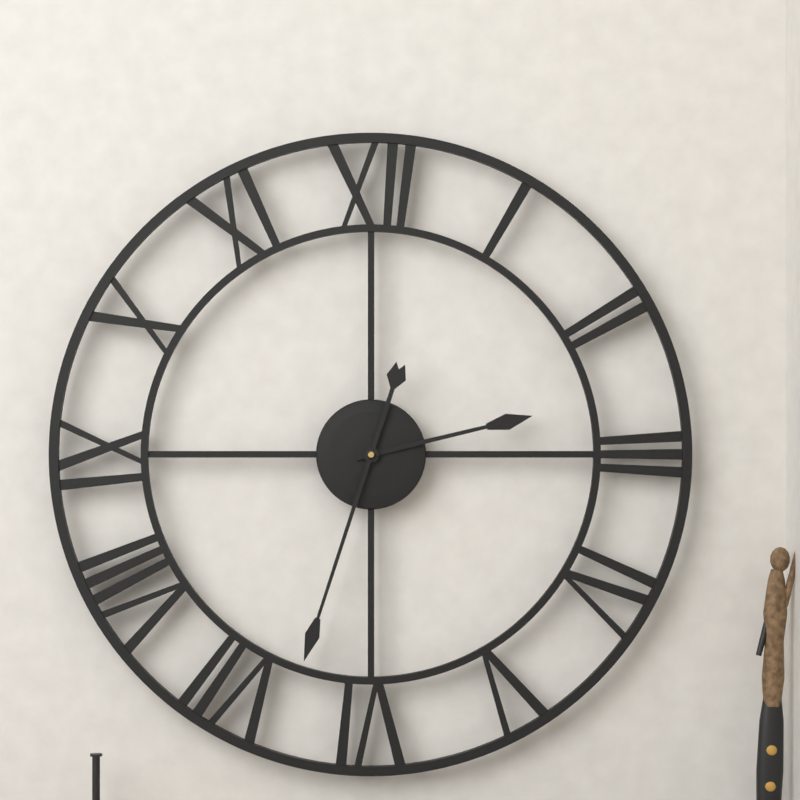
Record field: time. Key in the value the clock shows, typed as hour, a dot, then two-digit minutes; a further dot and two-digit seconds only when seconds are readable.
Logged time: 2.33
